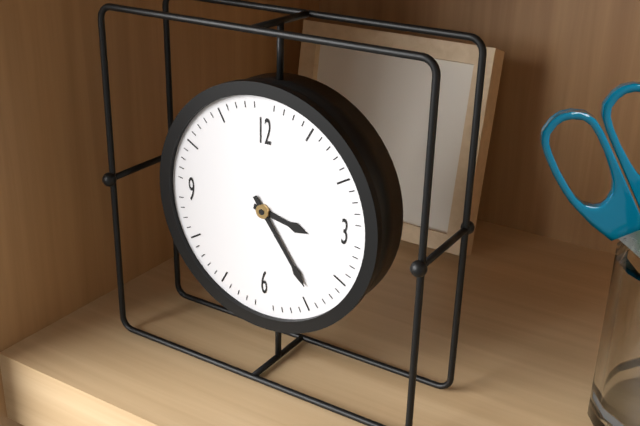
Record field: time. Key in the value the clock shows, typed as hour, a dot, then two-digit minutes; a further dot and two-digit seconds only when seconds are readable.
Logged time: 3.24
